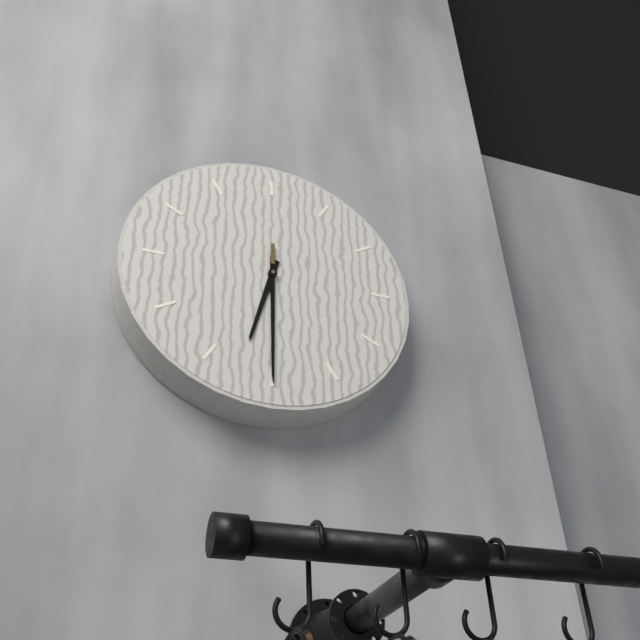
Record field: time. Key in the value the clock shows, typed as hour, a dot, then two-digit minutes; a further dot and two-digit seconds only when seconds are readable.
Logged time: 6.30.30
